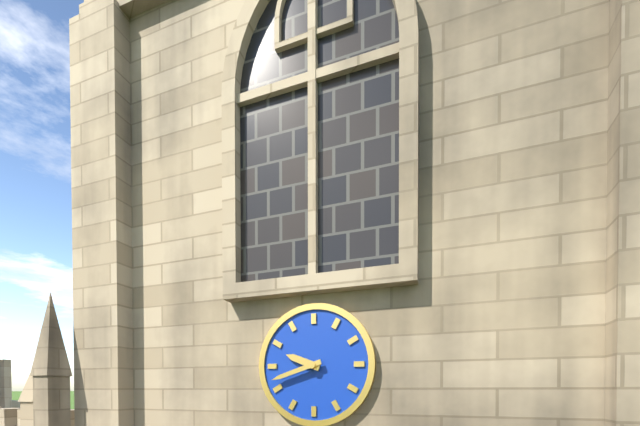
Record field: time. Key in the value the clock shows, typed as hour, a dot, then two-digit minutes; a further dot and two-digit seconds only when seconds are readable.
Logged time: 9.42
